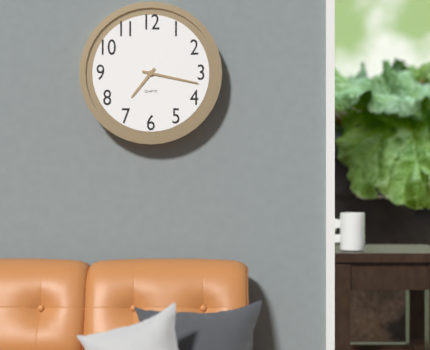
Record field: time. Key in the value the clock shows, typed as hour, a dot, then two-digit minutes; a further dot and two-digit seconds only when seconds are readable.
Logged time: 7.17
